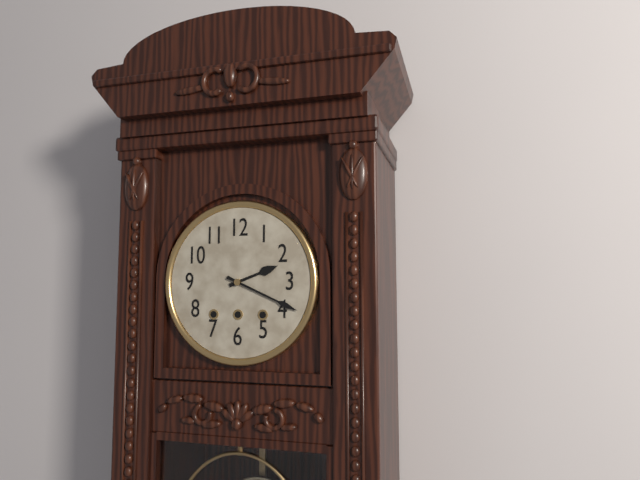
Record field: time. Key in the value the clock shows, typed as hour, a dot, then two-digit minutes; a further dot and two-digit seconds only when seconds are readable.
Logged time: 2.19
